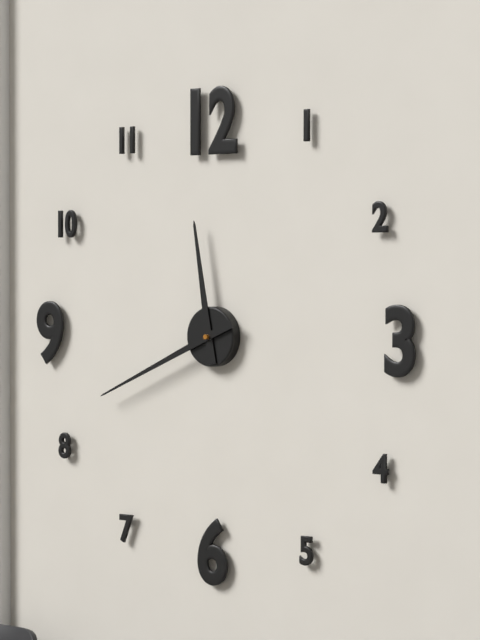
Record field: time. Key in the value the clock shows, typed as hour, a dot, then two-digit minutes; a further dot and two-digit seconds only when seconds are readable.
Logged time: 11.41
